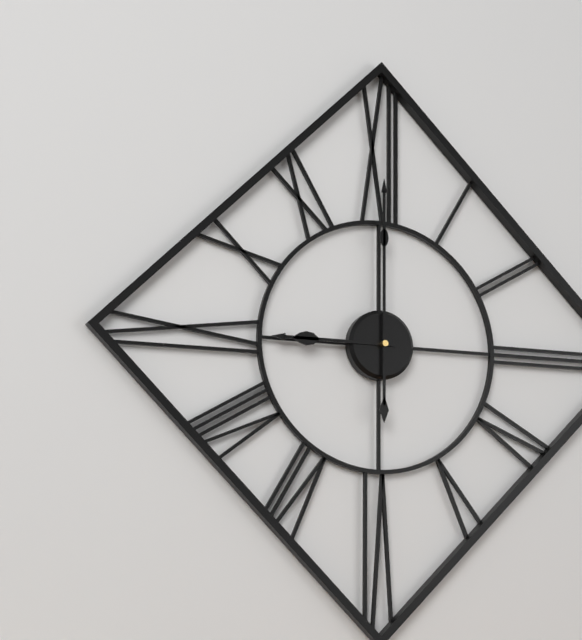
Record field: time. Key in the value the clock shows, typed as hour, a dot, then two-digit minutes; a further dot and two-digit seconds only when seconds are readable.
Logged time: 9.00
